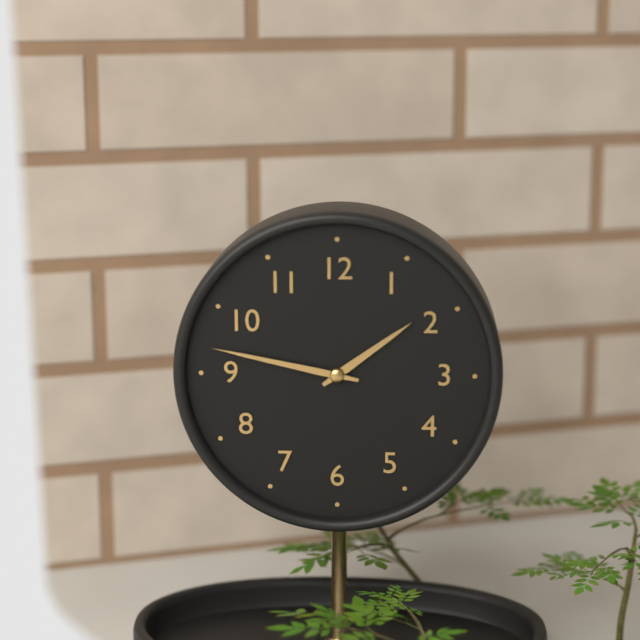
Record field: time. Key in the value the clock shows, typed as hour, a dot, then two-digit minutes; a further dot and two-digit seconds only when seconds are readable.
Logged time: 1.47
